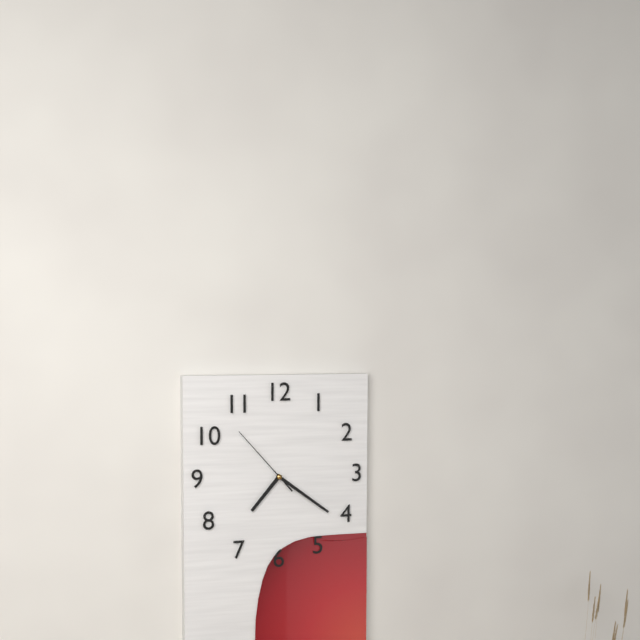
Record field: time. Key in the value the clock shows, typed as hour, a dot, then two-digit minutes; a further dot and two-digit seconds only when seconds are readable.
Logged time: 7.21.53
